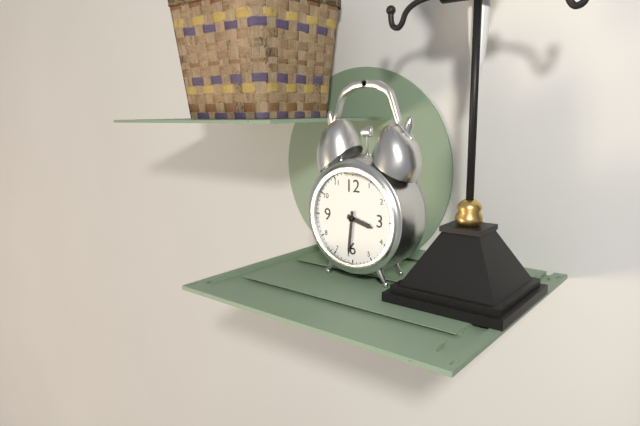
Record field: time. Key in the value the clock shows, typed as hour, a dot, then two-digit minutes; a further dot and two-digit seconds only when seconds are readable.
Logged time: 3.31
